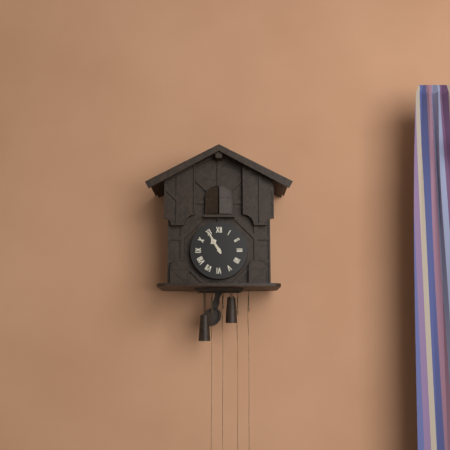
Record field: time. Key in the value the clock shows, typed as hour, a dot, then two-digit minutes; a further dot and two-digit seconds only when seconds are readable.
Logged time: 10.55
